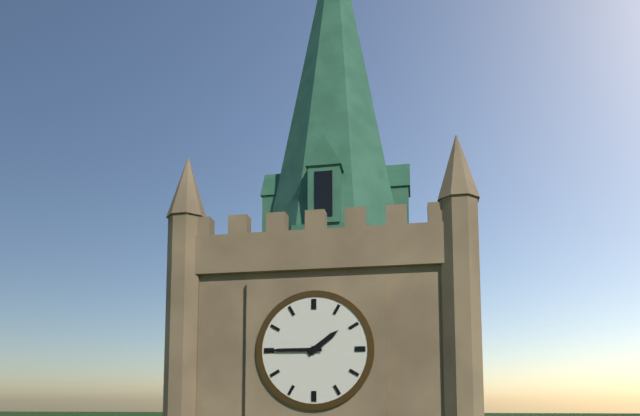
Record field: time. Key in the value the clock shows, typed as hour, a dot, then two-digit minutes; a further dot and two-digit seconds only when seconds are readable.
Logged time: 1.45
